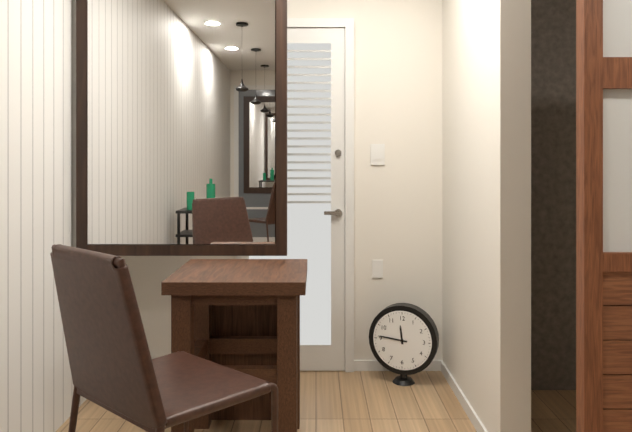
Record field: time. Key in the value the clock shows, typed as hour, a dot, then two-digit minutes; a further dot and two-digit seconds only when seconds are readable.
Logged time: 11.46
